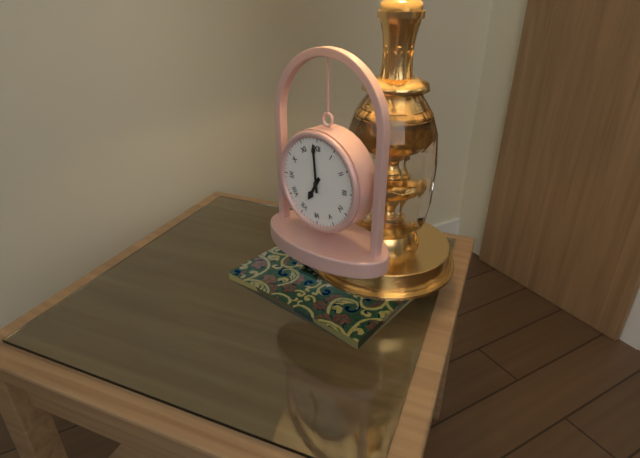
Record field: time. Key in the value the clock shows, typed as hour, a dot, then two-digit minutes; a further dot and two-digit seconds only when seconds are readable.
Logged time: 6.59
